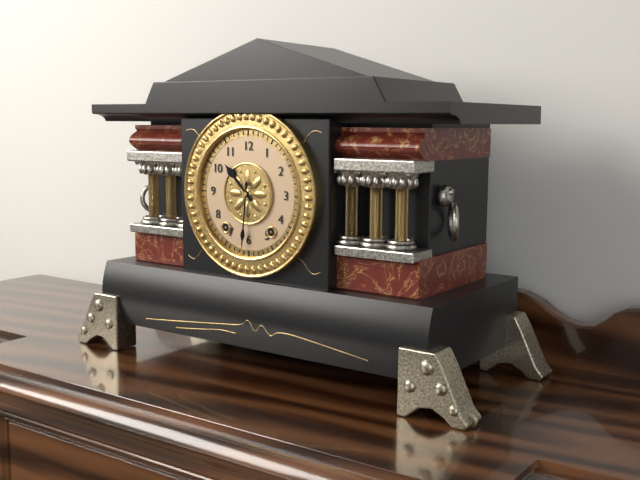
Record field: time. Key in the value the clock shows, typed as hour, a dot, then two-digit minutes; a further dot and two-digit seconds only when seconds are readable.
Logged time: 10.31
